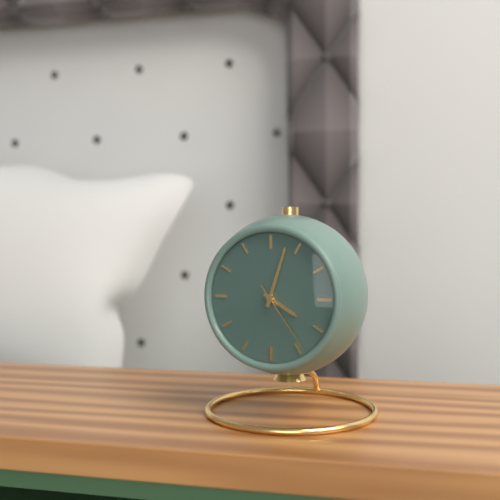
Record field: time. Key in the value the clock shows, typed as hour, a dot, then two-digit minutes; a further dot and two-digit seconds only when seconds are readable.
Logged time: 4.03.24
